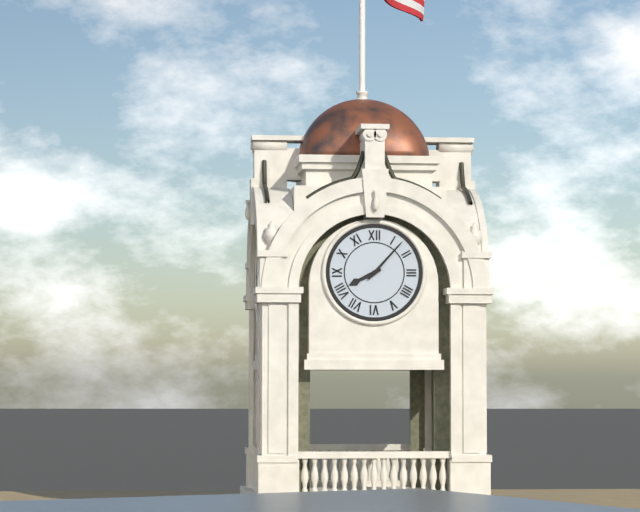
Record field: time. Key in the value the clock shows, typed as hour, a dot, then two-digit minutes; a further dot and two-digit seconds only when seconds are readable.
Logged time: 8.07
